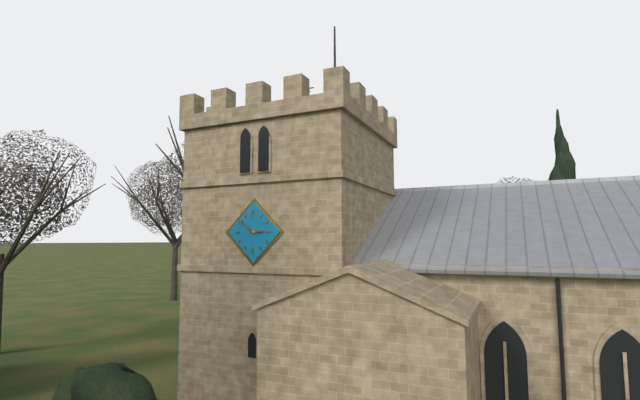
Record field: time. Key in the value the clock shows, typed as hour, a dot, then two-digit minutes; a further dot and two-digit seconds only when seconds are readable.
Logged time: 2.52
